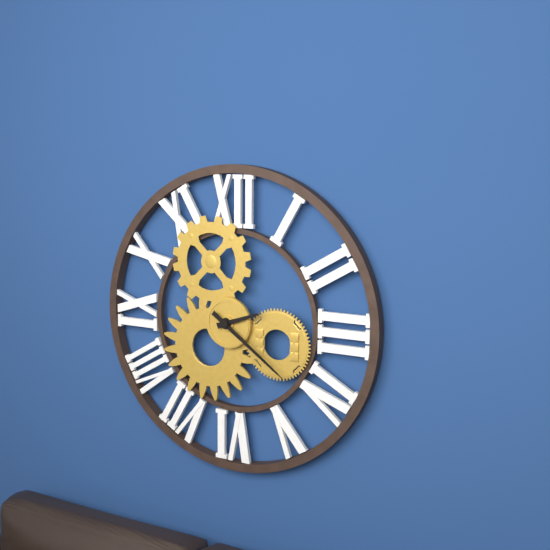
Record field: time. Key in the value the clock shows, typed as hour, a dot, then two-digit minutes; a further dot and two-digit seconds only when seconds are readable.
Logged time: 2.21
